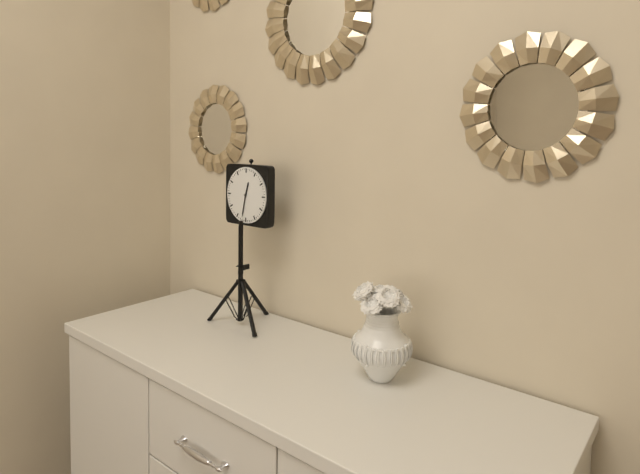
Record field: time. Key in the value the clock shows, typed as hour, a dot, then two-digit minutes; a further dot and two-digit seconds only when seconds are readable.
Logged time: 12.32
